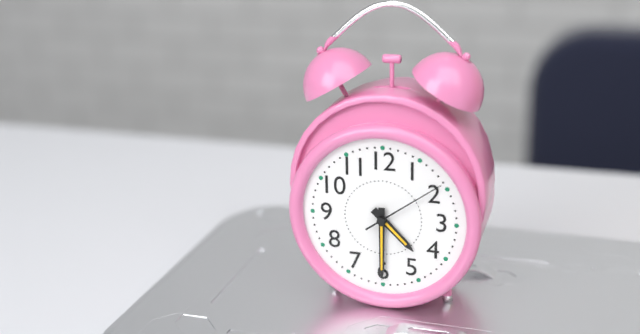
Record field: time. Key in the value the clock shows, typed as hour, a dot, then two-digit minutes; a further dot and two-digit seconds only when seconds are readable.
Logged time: 4.30.09
